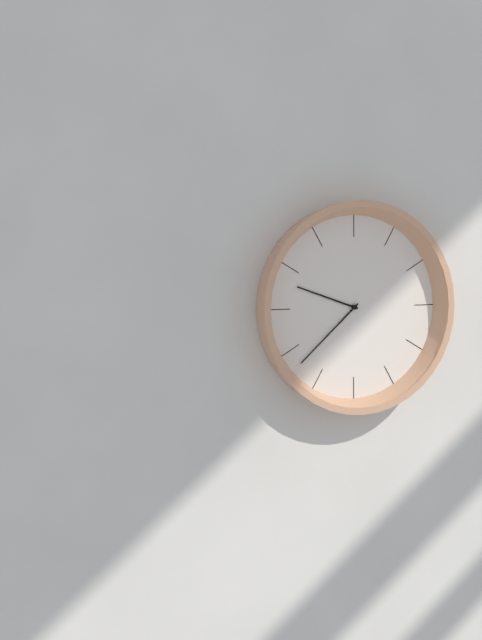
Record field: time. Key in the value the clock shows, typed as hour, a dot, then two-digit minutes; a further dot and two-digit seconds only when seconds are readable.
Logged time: 9.38
